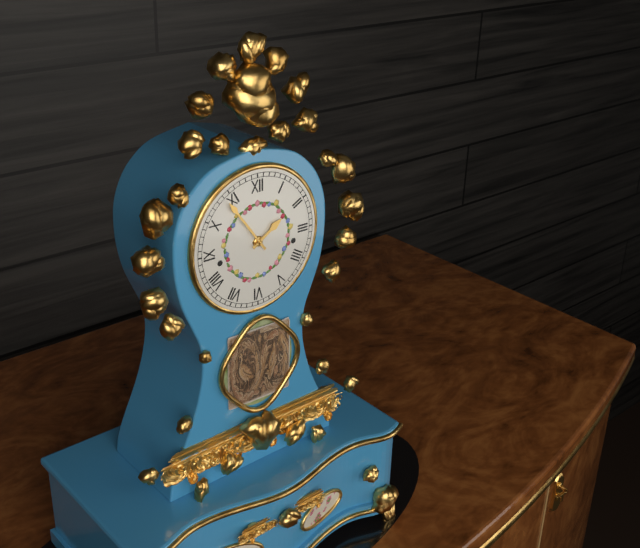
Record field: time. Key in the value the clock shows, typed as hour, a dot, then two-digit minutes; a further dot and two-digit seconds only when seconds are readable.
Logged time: 1.54
